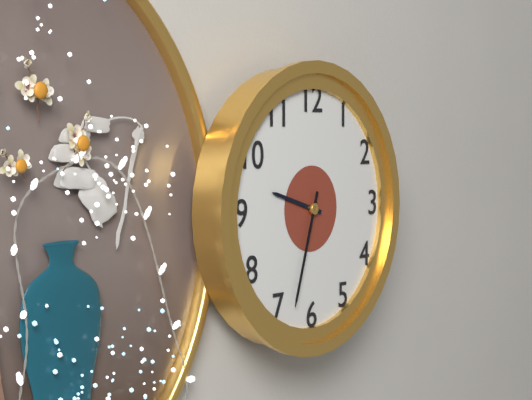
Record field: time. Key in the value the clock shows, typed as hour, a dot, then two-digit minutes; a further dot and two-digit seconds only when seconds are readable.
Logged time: 9.33
